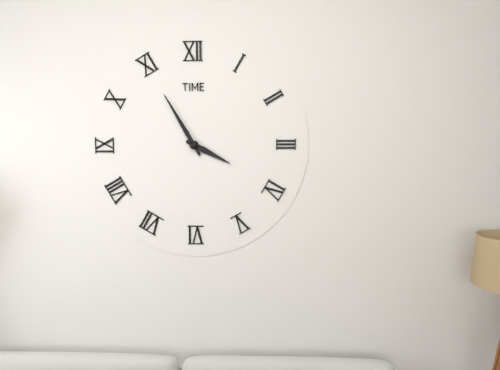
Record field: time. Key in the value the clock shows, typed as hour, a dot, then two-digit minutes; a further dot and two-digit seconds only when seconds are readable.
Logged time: 3.55
